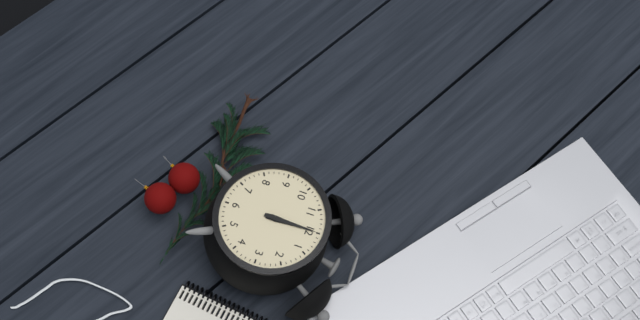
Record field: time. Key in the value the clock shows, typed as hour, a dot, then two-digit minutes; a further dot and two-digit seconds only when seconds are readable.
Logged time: 12.00
